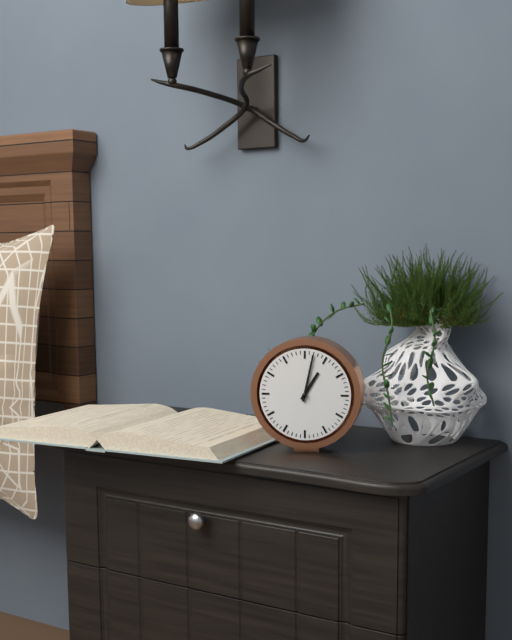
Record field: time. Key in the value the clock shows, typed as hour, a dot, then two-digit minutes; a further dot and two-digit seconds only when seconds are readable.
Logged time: 1.02
